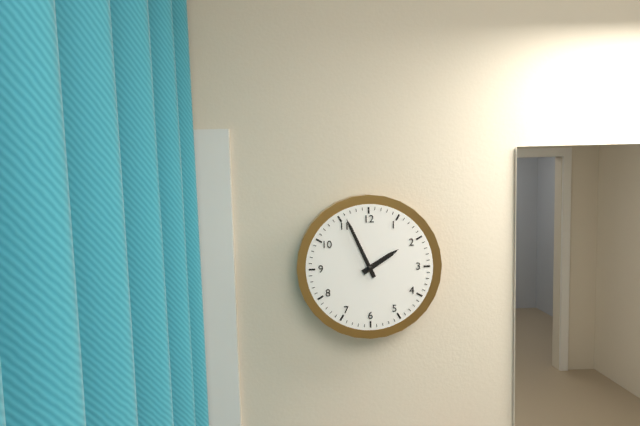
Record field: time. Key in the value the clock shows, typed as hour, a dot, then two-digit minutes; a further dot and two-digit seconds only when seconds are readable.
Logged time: 1.56
